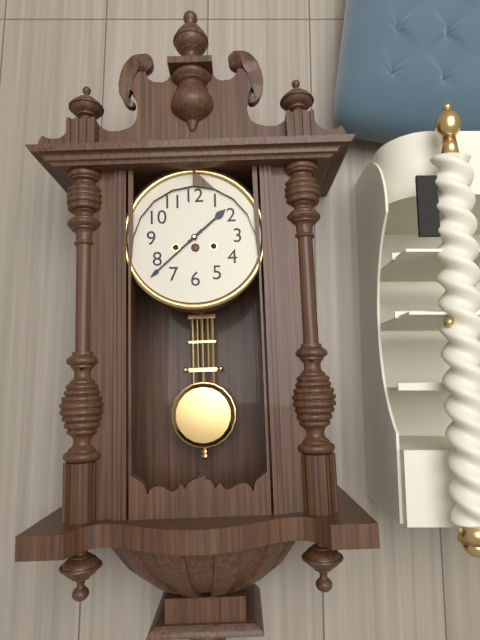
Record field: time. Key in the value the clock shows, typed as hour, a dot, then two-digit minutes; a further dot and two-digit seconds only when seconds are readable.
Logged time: 1.38
